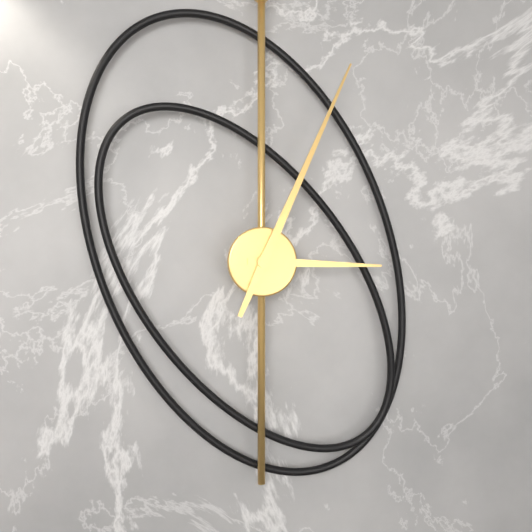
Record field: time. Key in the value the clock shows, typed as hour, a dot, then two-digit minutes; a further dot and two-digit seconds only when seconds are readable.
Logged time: 3.04
